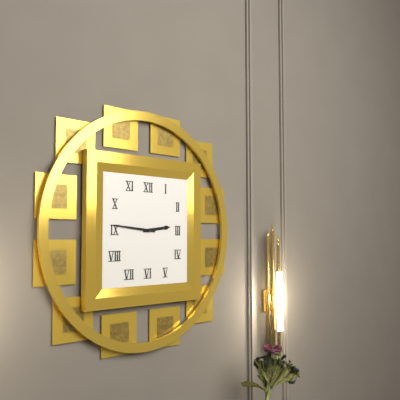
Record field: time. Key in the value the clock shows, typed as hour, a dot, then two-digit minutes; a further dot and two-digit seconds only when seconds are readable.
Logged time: 2.46
